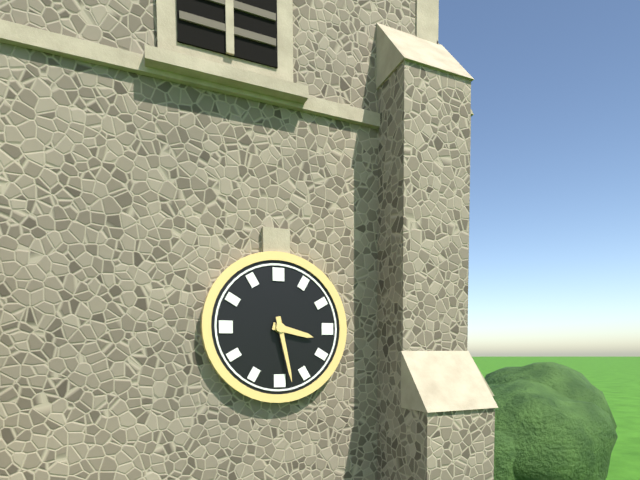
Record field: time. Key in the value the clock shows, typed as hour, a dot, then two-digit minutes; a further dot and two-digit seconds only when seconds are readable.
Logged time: 3.28
